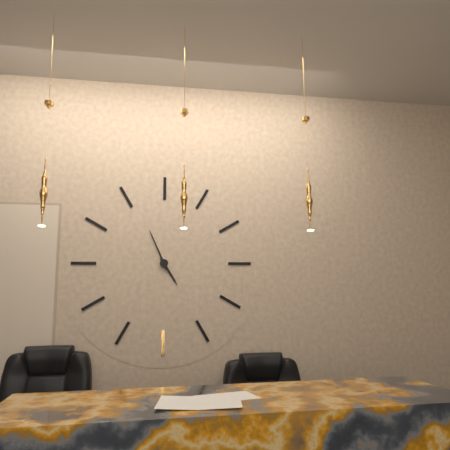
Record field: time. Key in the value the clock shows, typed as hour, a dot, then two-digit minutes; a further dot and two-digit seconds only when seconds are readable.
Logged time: 4.56
